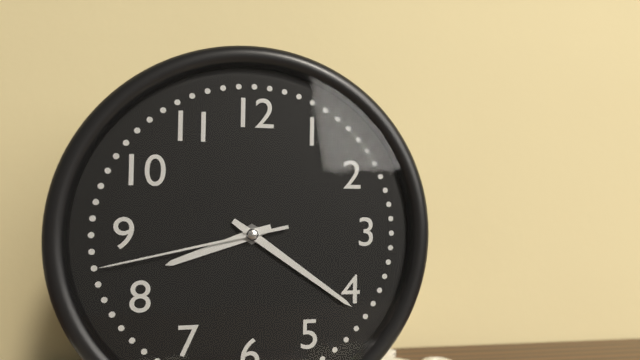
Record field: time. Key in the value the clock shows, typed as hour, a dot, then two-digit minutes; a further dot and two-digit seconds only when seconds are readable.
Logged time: 8.21.43
